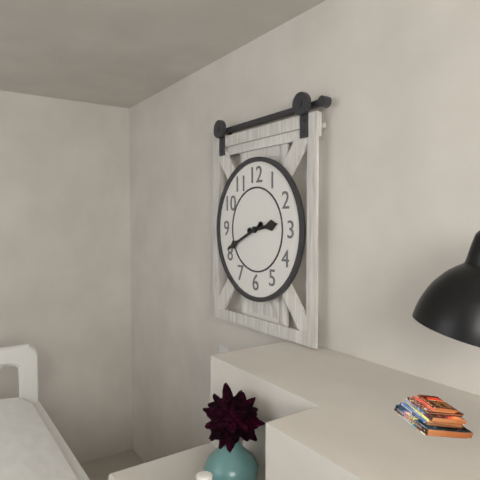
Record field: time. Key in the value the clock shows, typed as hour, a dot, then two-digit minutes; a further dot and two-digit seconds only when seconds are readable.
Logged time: 2.41
